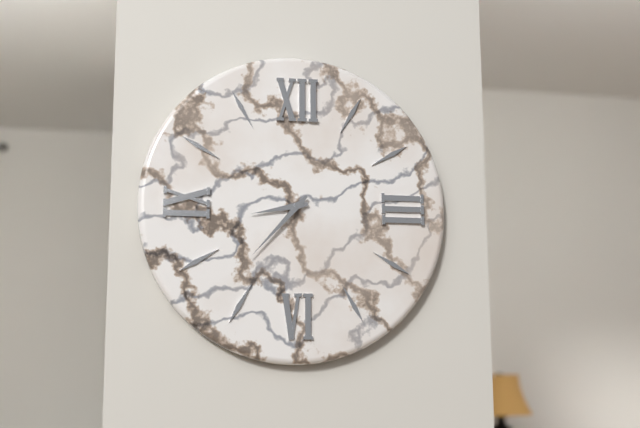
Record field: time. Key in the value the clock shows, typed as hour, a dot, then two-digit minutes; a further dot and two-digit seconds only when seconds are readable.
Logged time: 8.37
